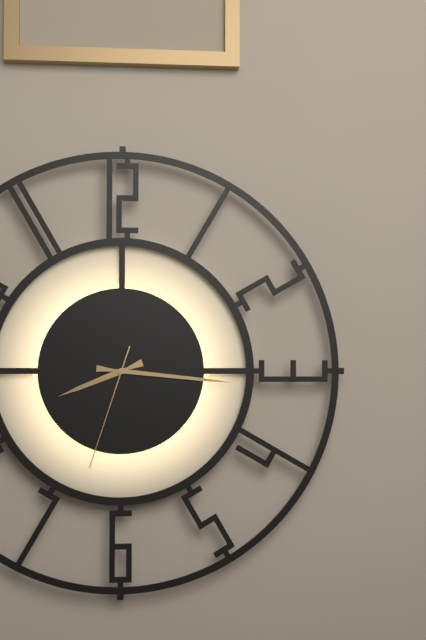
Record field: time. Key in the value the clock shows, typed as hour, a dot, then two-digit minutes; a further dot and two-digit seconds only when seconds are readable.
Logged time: 8.16.33
